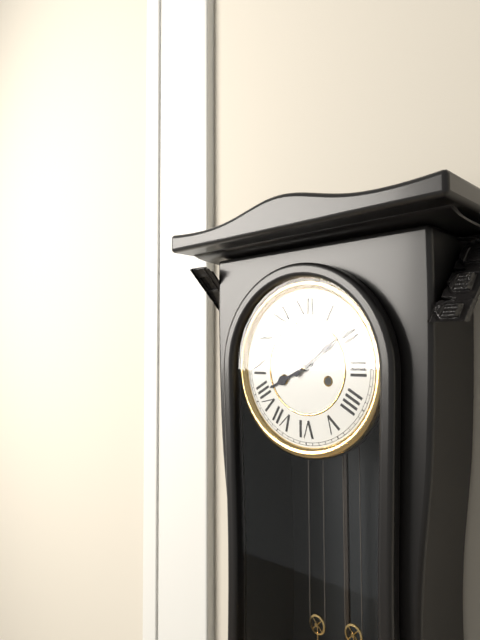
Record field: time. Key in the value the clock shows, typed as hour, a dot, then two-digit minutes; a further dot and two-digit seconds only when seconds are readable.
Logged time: 8.09
